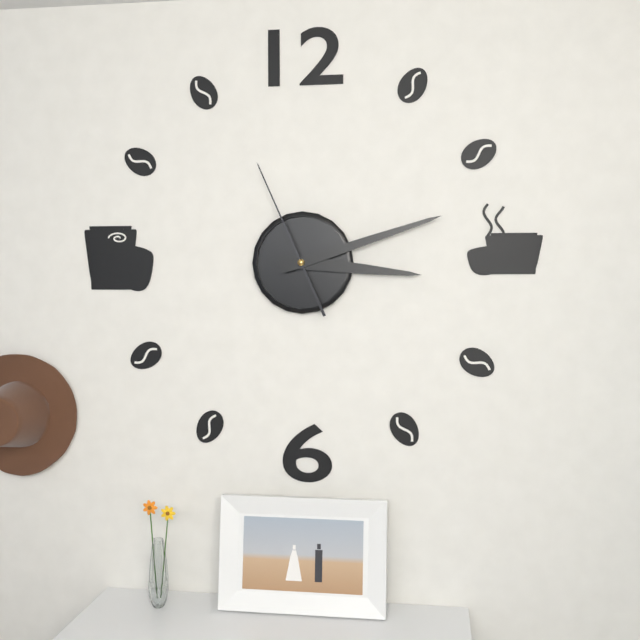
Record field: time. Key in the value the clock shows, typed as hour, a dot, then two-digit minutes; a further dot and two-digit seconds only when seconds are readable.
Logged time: 3.12.56
